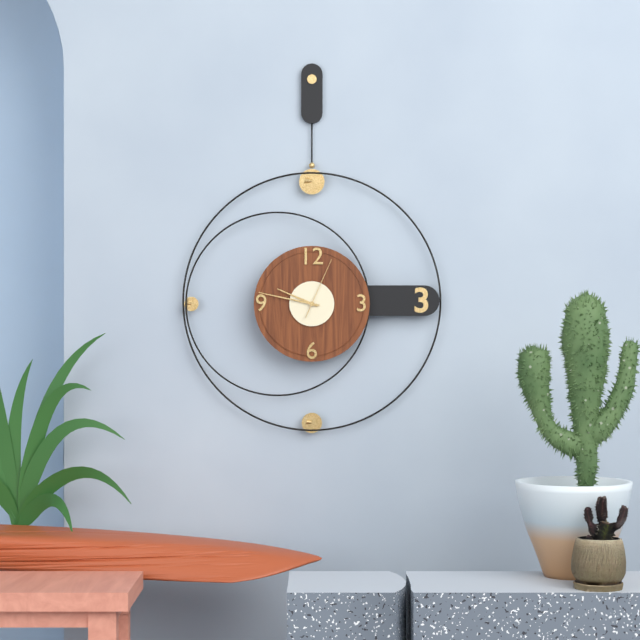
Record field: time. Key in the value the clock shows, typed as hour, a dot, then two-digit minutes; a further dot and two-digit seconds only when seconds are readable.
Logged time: 9.47.04
